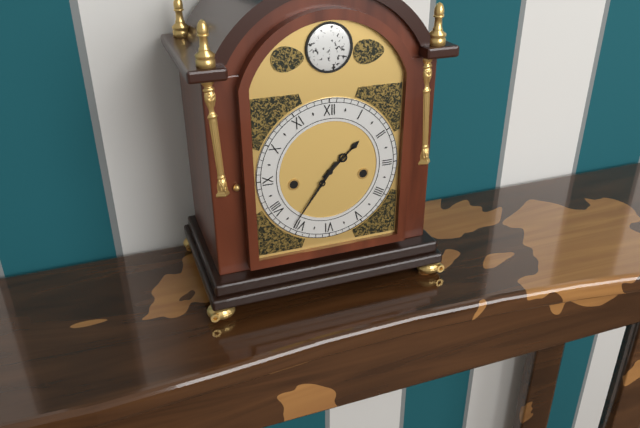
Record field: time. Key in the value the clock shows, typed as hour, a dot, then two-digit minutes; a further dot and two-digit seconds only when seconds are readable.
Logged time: 1.36
